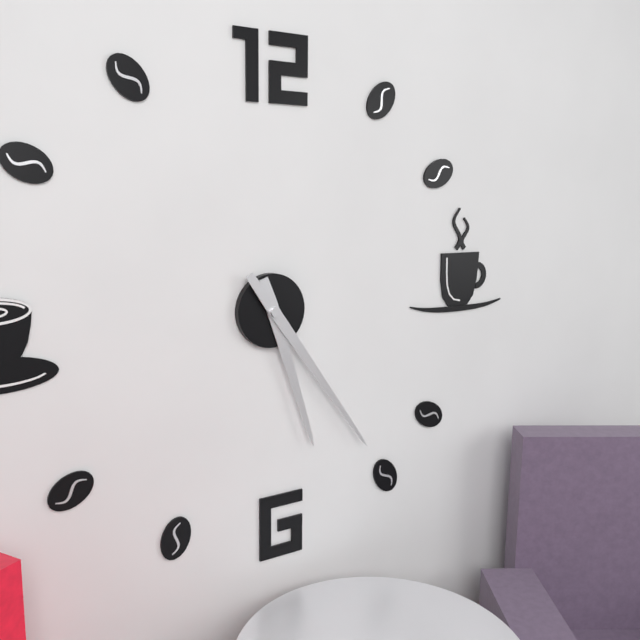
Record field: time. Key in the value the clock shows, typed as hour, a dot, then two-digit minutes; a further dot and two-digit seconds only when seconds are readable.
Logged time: 5.24
